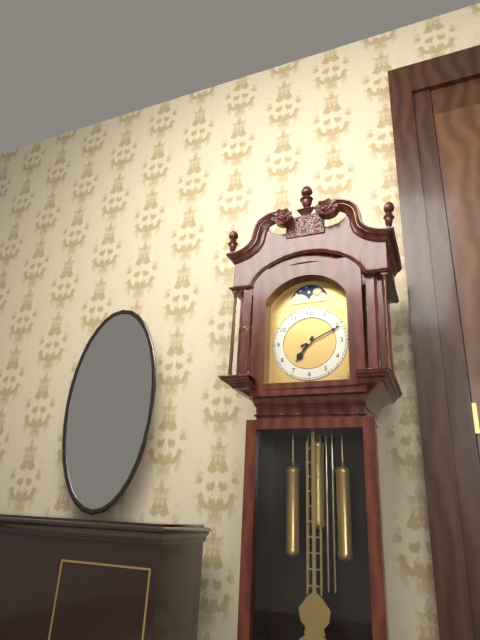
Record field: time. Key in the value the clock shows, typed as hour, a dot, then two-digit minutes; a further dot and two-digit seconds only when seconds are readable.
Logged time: 7.11
